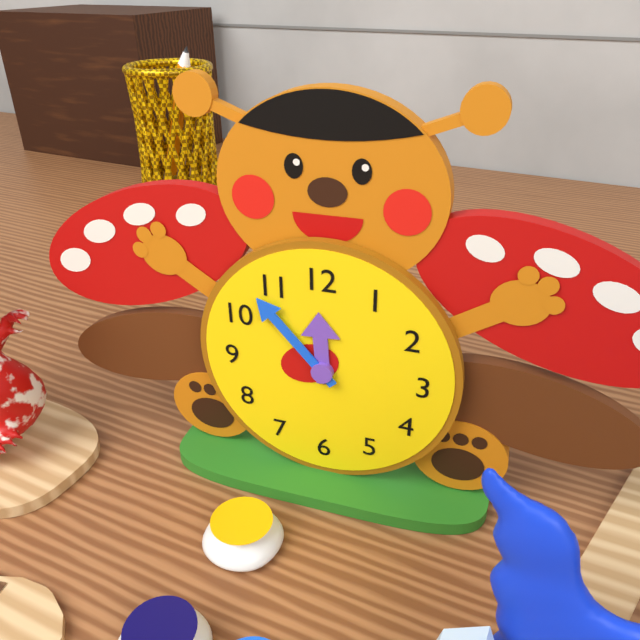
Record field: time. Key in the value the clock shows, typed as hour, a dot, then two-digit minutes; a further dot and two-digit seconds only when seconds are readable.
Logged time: 11.53
